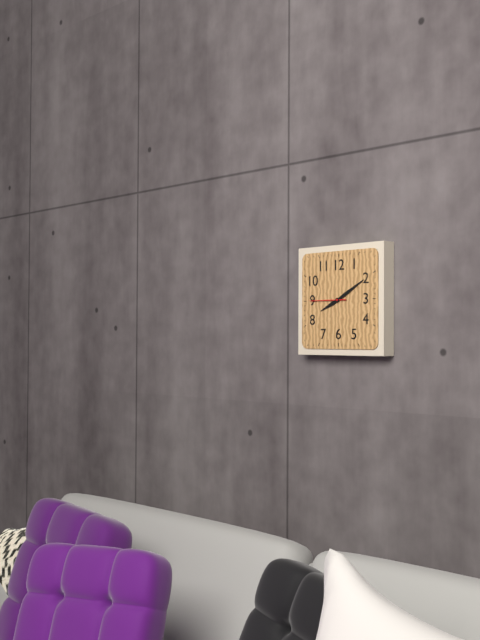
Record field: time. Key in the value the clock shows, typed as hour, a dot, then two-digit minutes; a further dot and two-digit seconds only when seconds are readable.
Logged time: 8.10
